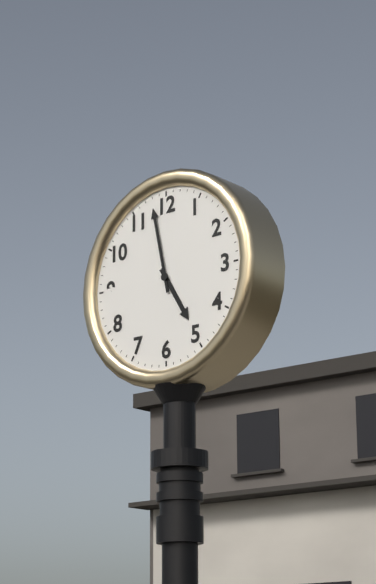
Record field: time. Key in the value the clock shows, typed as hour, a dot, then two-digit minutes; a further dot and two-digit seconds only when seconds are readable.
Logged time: 4.58
